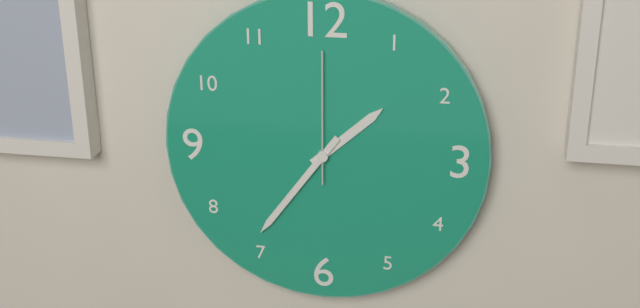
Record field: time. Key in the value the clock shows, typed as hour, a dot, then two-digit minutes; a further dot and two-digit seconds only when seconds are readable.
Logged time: 1.36.00
